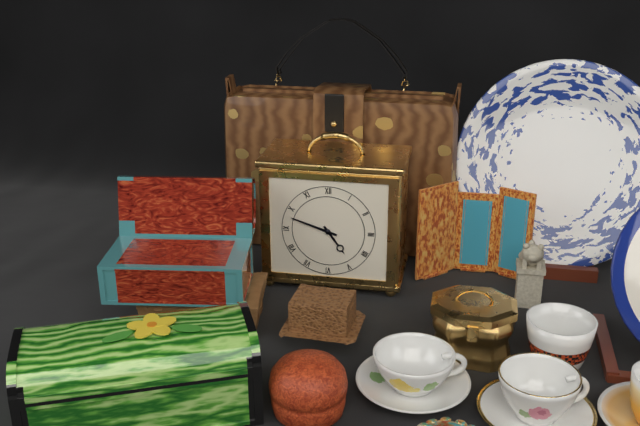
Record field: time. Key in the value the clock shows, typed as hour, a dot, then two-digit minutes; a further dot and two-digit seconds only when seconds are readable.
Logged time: 4.48
